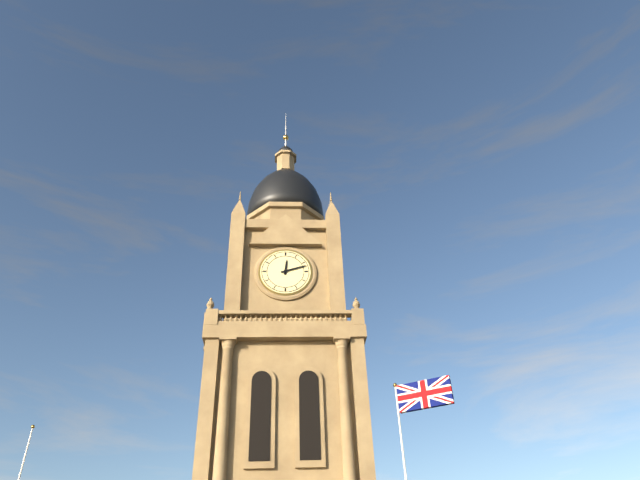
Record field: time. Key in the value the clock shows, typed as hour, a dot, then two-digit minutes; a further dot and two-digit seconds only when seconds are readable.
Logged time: 12.12
